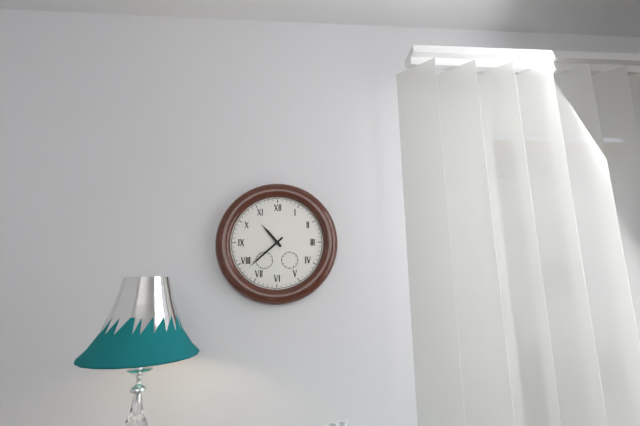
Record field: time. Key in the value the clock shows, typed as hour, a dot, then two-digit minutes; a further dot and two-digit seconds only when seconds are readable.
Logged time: 10.38
